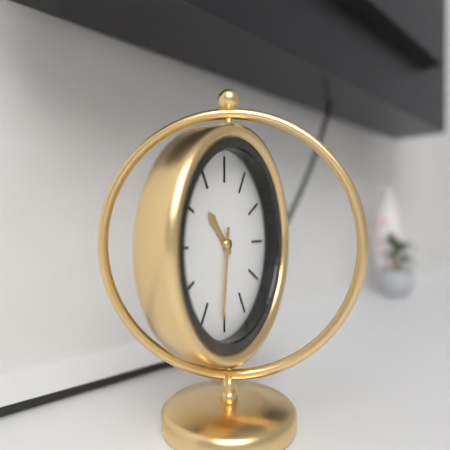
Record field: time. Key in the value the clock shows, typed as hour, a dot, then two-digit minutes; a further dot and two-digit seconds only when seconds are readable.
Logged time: 10.31
